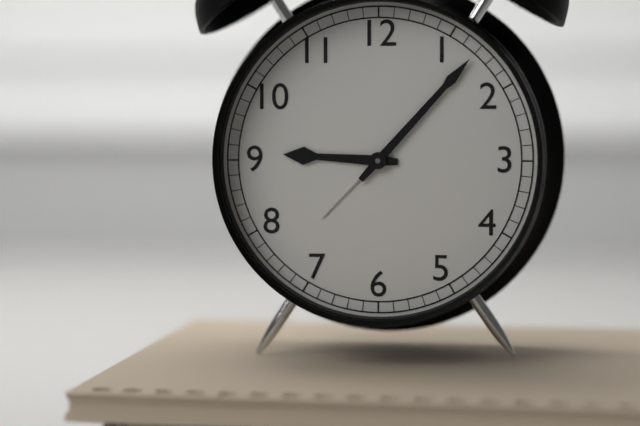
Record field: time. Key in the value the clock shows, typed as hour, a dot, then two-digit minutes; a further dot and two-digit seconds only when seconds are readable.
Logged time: 9.07
